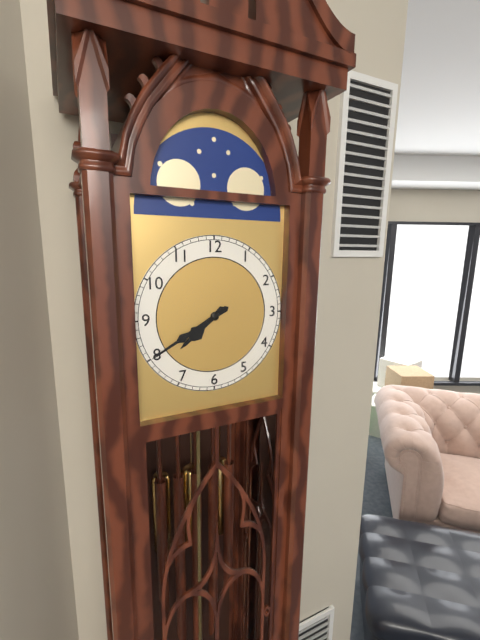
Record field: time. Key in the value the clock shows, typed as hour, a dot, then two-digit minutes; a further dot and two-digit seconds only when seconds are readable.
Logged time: 7.40
